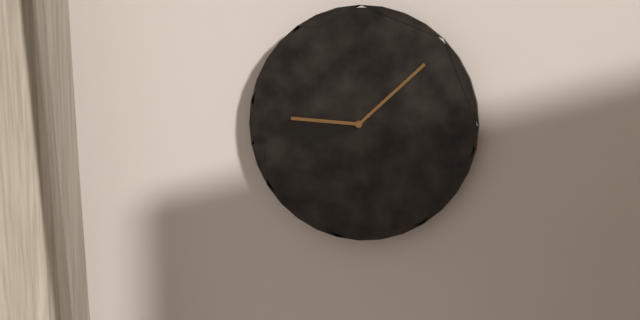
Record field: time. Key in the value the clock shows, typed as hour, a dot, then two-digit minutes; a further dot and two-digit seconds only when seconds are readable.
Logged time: 9.08
